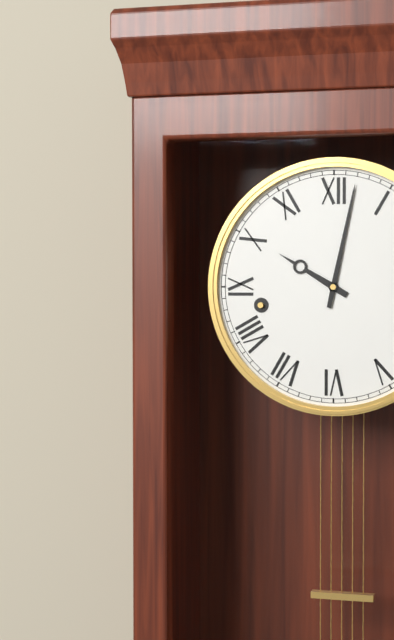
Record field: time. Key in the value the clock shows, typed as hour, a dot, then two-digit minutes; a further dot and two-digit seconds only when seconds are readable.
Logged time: 10.02
